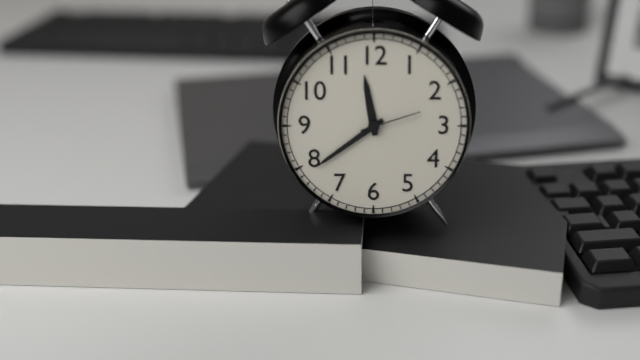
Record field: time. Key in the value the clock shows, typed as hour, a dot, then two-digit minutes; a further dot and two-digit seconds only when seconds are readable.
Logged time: 11.39.12
